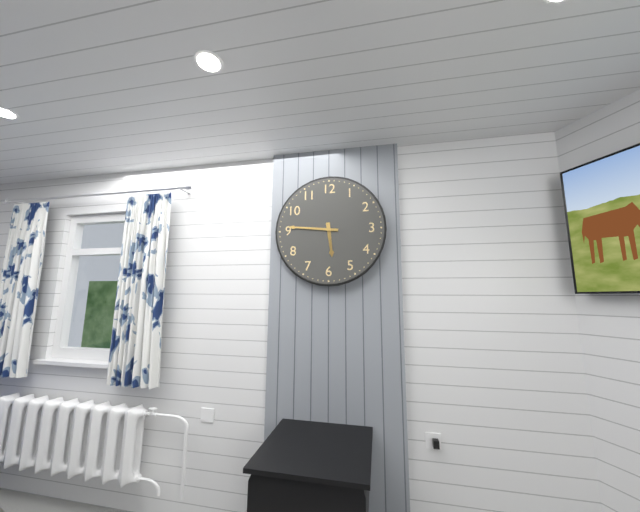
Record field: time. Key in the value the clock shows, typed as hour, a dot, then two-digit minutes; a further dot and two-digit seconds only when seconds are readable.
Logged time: 5.46
